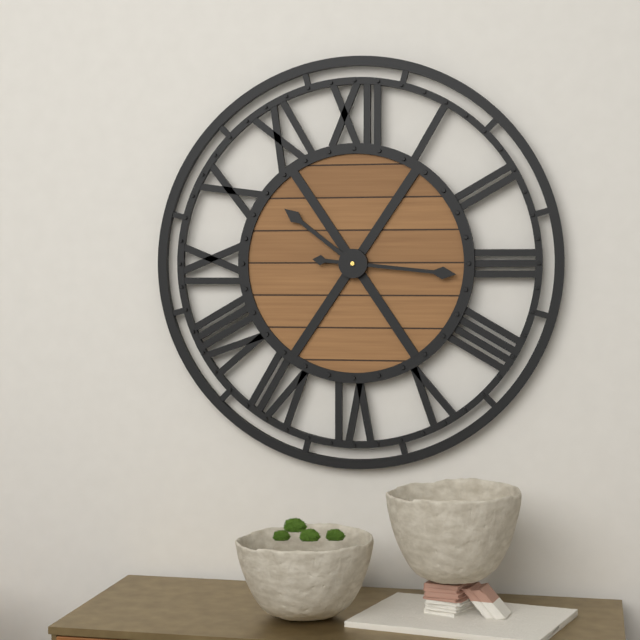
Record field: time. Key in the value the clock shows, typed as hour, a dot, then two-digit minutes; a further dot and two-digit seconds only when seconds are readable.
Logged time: 10.16
